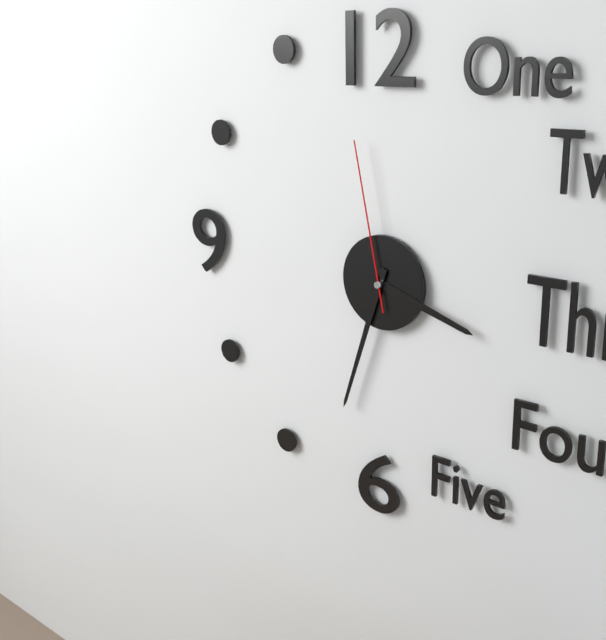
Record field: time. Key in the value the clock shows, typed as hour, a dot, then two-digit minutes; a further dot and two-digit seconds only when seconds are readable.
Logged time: 3.33.58
